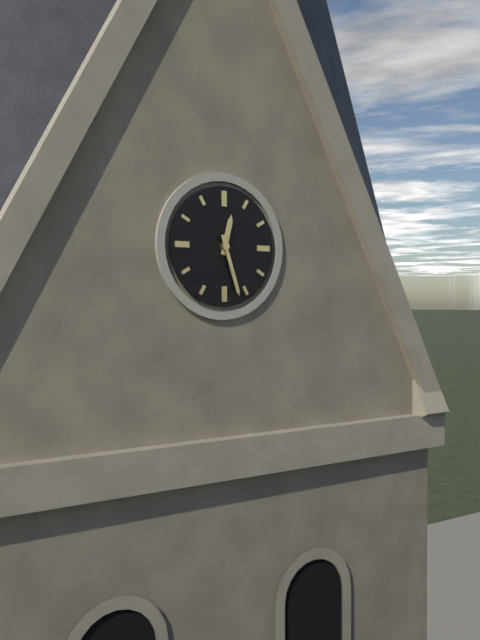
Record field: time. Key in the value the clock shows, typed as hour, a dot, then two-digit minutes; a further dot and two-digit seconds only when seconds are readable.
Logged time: 12.27
